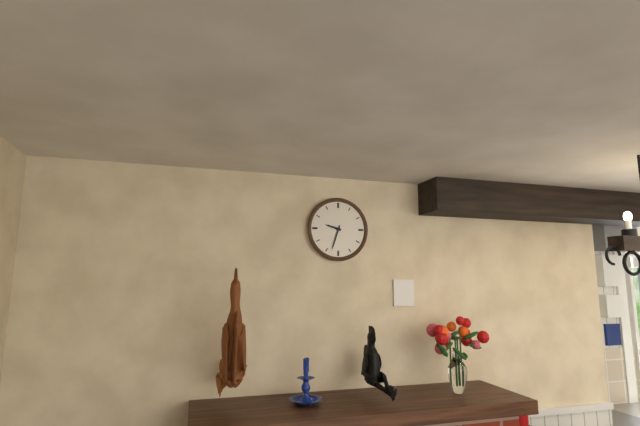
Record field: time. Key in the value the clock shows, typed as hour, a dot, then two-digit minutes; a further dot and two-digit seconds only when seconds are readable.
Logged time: 9.33
